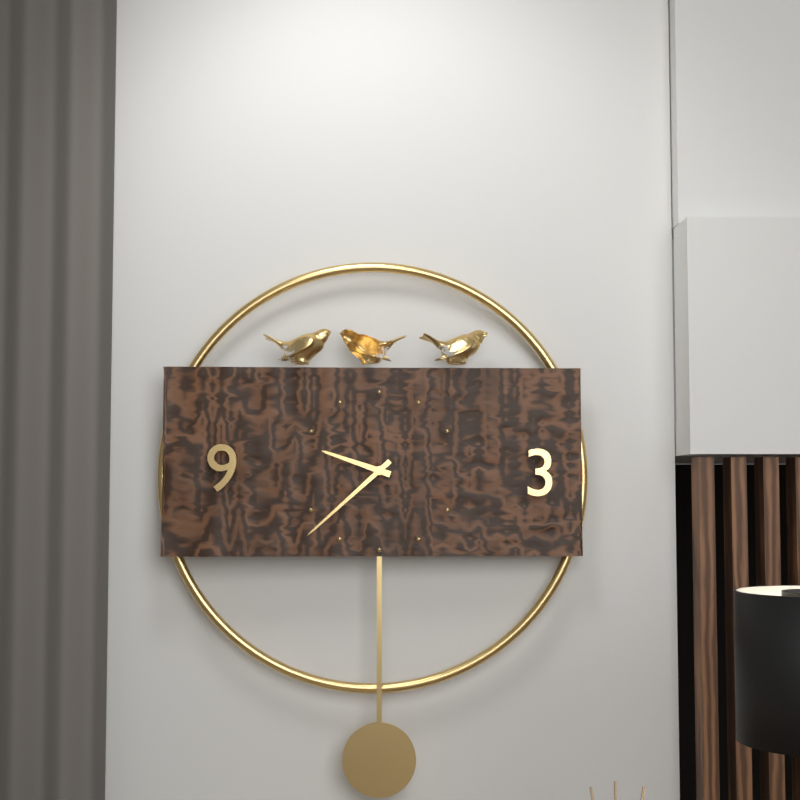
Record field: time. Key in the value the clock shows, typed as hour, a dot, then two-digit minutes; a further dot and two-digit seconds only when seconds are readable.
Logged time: 9.38
